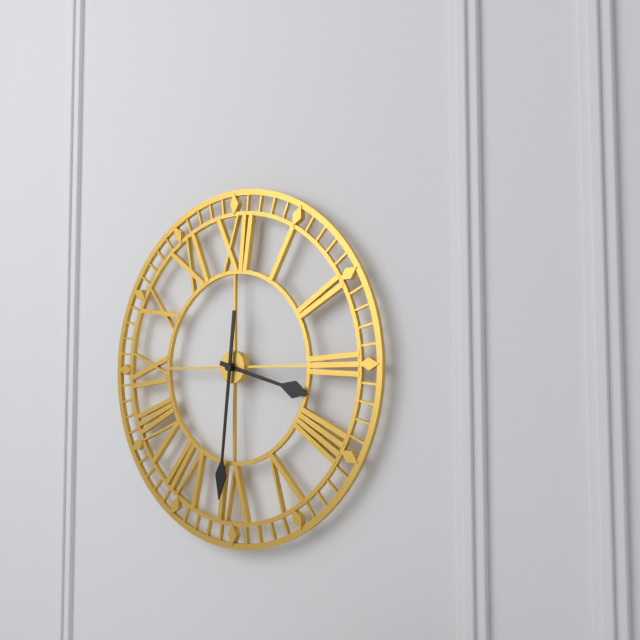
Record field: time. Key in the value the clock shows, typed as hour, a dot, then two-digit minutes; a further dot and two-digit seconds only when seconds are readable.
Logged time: 3.31
